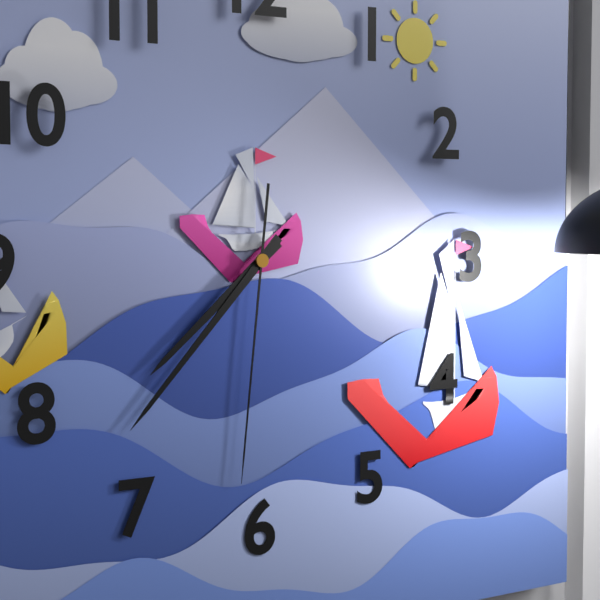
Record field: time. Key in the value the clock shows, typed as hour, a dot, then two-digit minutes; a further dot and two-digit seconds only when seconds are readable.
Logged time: 7.37.31
